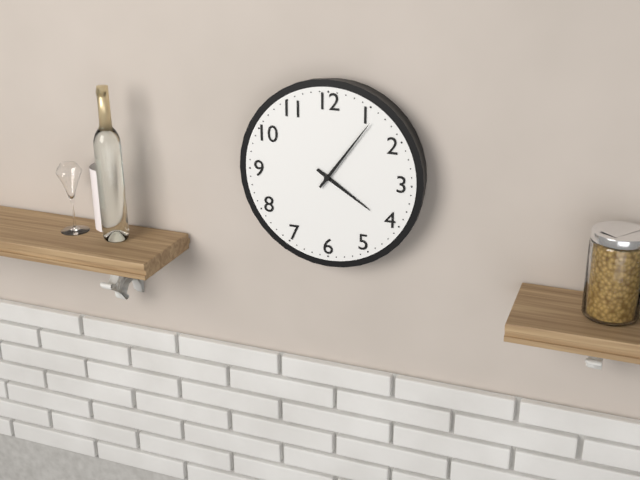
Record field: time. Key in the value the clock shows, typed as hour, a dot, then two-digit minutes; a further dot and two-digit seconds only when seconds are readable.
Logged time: 4.06
